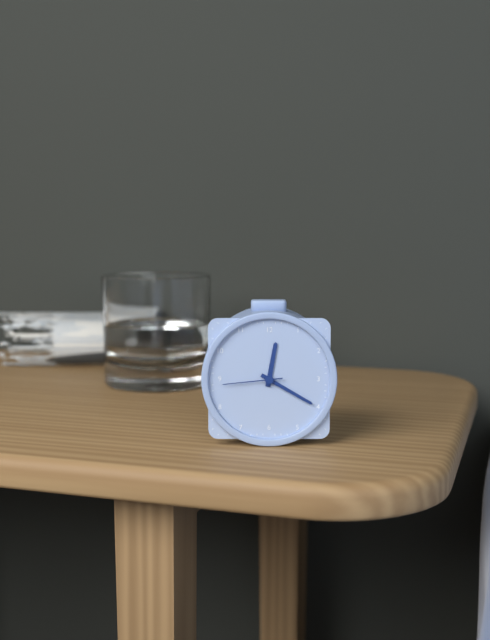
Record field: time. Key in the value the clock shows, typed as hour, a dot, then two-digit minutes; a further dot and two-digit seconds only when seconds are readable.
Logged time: 12.20.44
